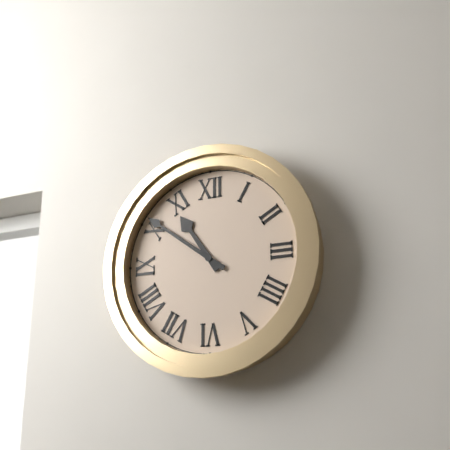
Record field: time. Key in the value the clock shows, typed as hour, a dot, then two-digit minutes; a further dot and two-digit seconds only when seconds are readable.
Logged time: 10.51
